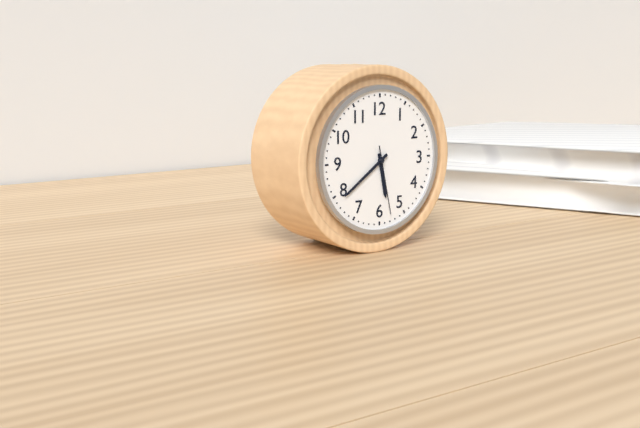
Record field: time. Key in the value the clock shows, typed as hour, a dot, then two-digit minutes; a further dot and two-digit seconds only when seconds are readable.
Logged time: 5.39.28
